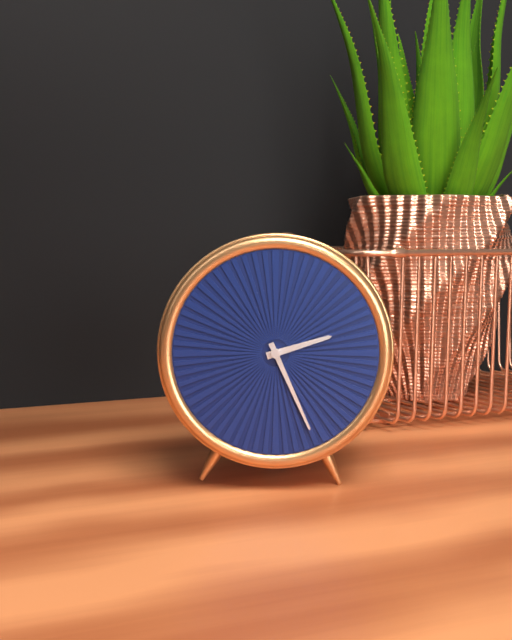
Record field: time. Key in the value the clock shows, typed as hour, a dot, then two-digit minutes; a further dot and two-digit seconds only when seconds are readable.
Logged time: 2.26
